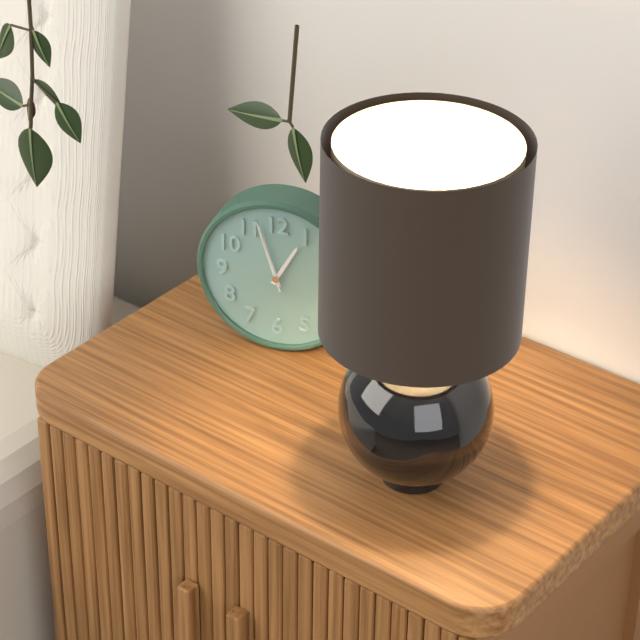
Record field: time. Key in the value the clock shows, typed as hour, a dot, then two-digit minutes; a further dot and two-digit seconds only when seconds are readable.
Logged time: 12.57.57
